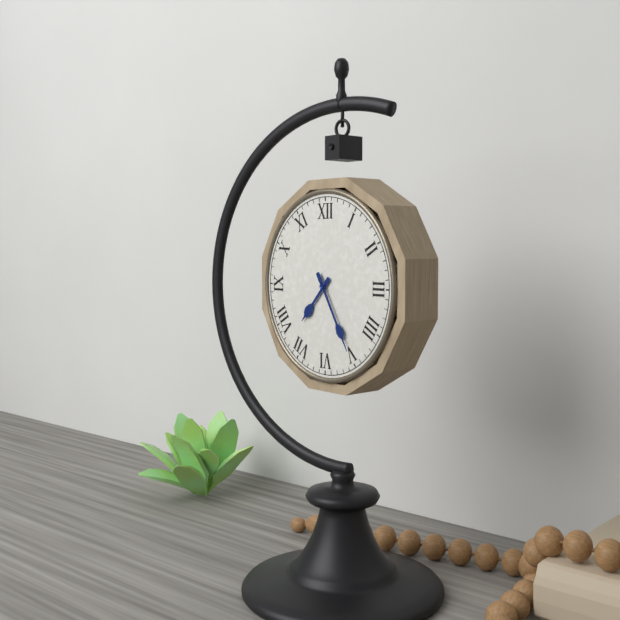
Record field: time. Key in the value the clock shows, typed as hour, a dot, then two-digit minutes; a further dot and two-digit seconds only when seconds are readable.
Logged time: 7.25
